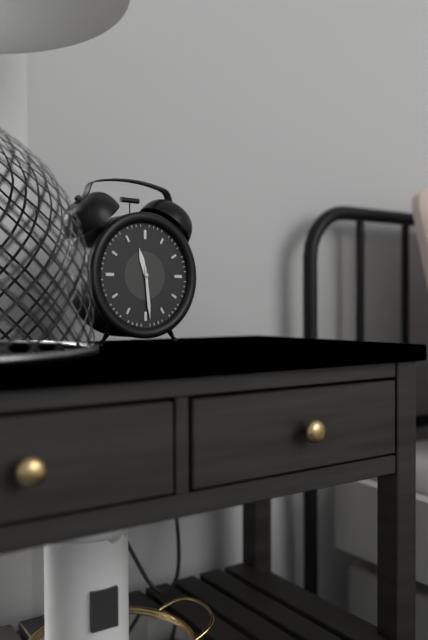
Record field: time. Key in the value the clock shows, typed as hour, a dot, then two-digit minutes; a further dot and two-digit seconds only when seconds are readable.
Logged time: 11.29
